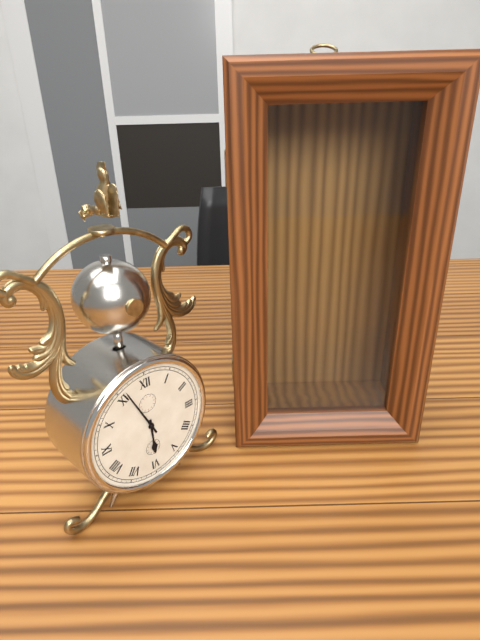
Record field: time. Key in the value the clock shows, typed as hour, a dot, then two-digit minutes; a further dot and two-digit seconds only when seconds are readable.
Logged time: 5.56
